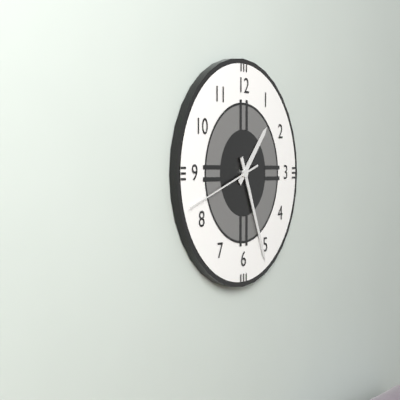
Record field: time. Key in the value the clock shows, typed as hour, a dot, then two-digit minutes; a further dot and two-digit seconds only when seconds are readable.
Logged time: 1.26.42
